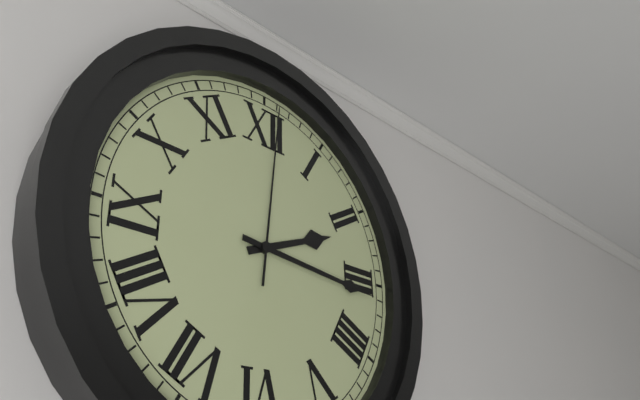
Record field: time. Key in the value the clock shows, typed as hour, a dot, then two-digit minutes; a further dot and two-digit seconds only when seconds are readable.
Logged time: 2.16.01
